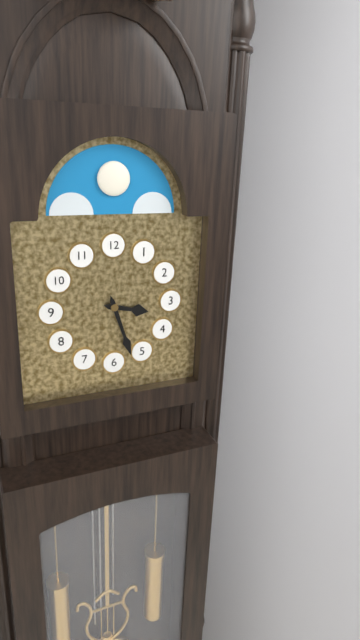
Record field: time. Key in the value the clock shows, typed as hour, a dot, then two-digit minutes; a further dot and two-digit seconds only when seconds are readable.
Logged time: 3.27
